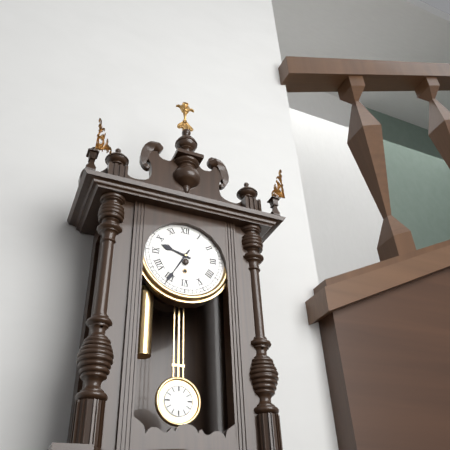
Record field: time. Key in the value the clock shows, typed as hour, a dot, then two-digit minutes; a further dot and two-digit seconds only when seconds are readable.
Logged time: 9.35
